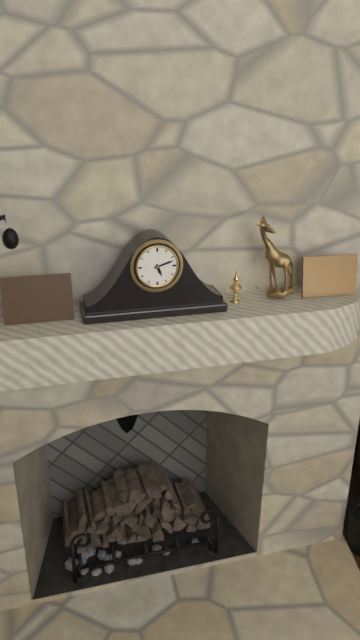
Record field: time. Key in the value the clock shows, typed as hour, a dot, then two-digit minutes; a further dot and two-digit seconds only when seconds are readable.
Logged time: 5.12
